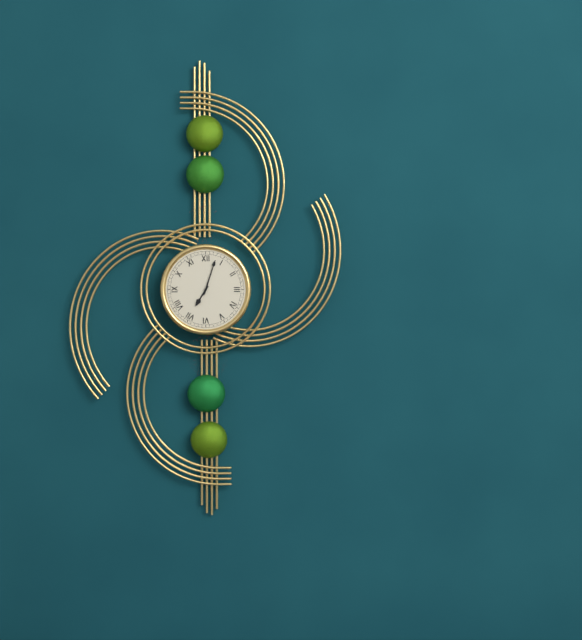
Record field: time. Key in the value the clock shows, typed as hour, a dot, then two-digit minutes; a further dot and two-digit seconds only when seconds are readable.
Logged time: 7.03
